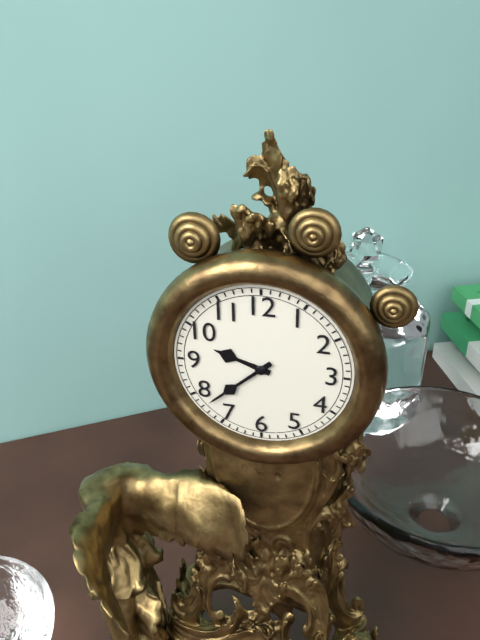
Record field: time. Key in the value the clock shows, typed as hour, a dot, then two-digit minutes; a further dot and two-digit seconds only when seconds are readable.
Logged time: 9.38
